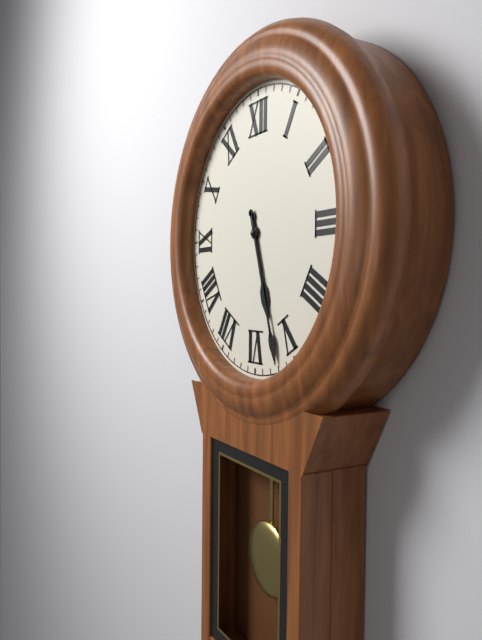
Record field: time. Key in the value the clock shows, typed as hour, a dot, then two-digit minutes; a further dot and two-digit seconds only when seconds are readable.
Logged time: 5.27
